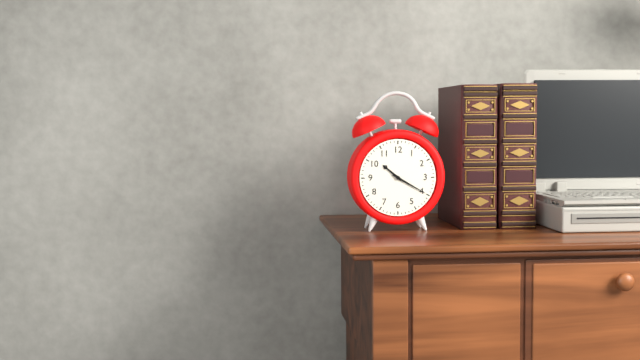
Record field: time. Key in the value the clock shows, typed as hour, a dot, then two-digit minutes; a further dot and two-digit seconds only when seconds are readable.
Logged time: 10.20
